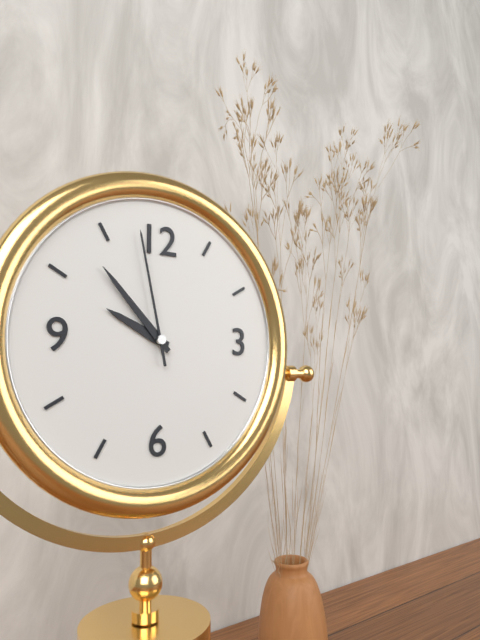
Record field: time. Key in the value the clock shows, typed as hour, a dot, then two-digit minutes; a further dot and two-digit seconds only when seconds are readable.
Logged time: 9.53.58
